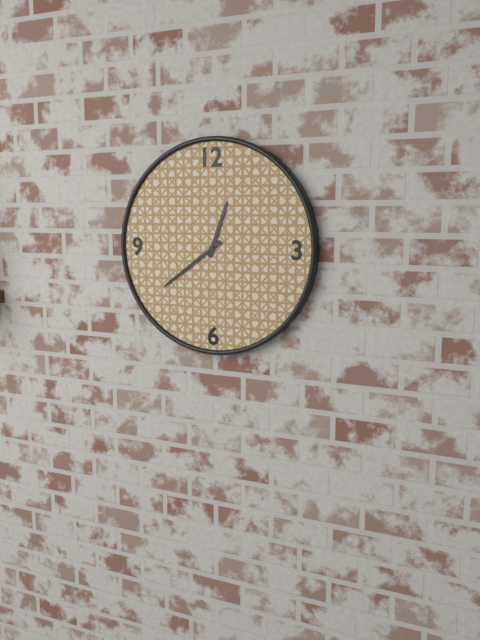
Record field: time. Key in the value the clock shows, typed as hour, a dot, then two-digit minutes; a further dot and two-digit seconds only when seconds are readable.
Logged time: 12.39
